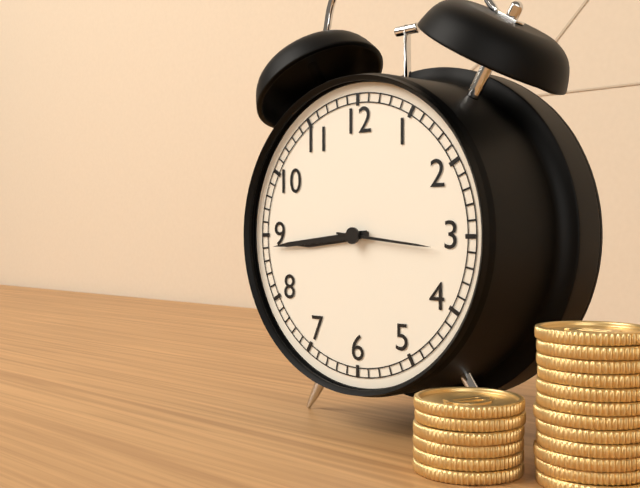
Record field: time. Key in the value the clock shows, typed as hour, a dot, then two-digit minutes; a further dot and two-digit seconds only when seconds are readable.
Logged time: 8.44.16
